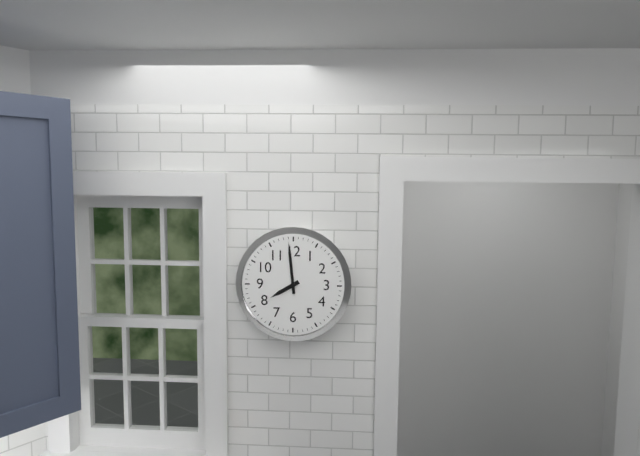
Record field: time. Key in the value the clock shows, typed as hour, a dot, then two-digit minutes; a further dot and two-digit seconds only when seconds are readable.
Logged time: 7.59
